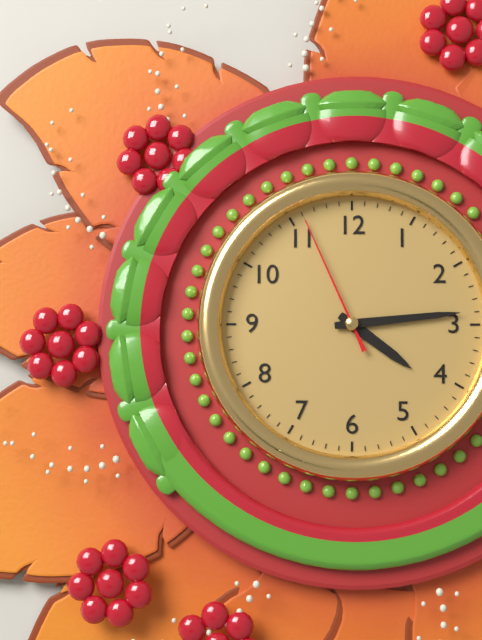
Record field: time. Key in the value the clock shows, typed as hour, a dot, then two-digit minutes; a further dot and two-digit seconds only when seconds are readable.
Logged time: 4.14.56
